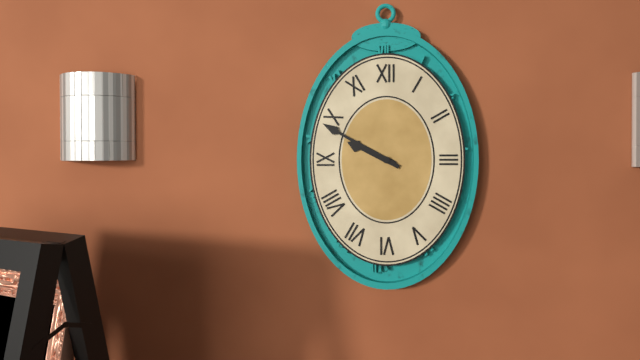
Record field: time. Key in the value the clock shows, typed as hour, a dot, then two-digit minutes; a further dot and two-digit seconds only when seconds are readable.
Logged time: 9.50
